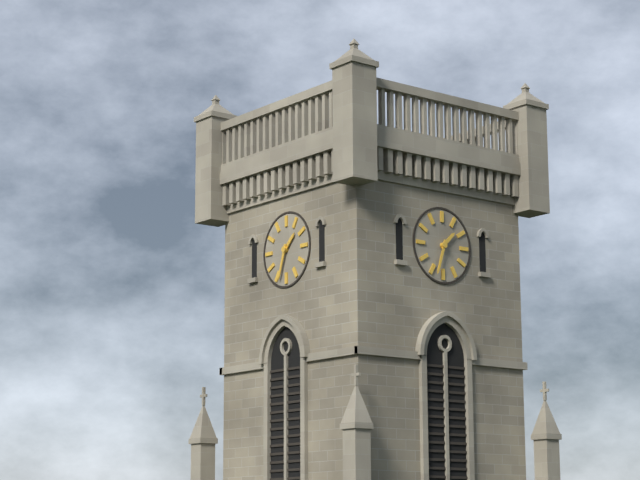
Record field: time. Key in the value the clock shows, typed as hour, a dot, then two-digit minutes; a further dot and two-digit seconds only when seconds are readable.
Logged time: 1.33
